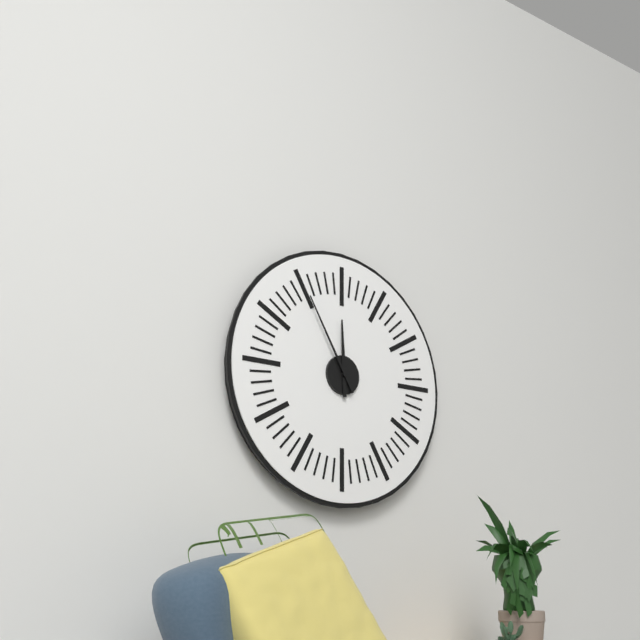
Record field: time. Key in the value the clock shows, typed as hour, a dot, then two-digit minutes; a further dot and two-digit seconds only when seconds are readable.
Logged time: 11.55
